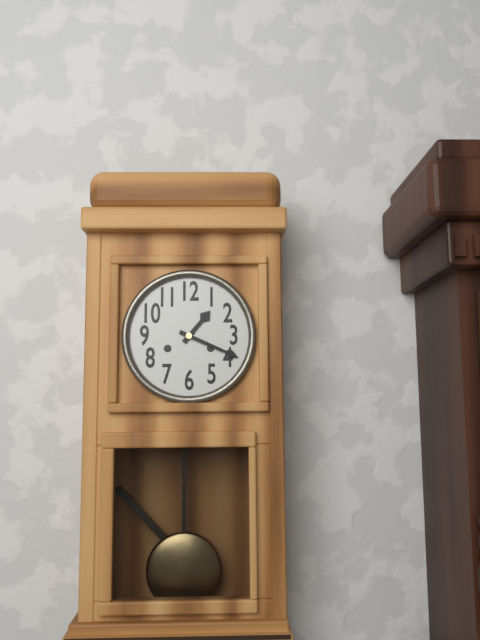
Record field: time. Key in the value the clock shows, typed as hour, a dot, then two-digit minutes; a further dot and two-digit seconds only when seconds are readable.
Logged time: 1.19
